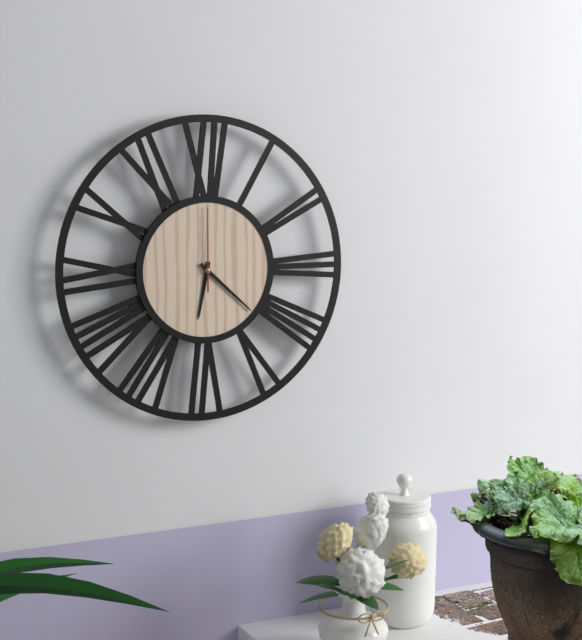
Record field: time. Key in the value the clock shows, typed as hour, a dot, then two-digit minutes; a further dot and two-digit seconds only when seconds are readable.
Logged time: 6.22.00
